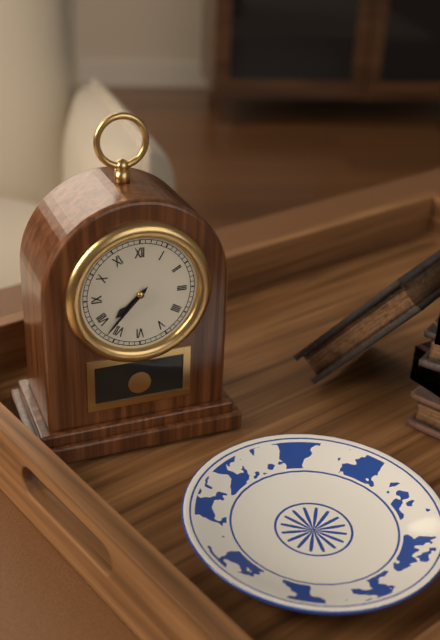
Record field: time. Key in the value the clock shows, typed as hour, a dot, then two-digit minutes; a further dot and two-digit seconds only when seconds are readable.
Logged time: 7.37
